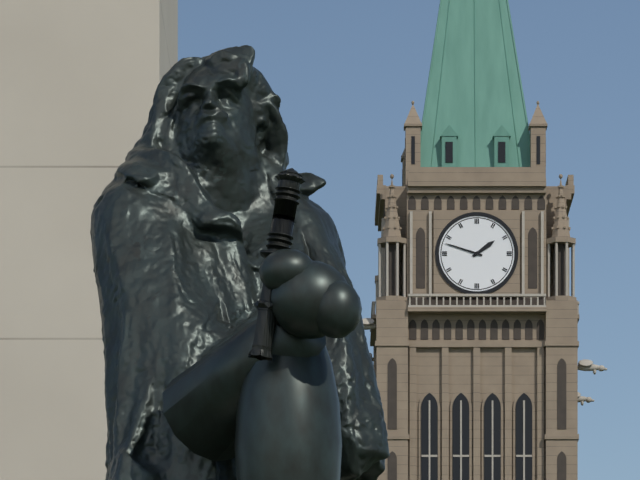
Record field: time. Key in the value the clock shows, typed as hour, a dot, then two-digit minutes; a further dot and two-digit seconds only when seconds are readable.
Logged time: 1.48
